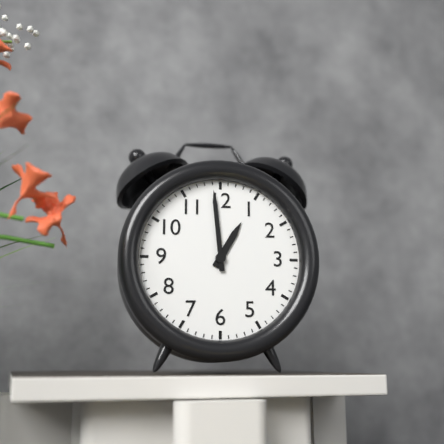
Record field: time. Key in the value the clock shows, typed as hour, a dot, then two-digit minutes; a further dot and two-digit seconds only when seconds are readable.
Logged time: 12.59
